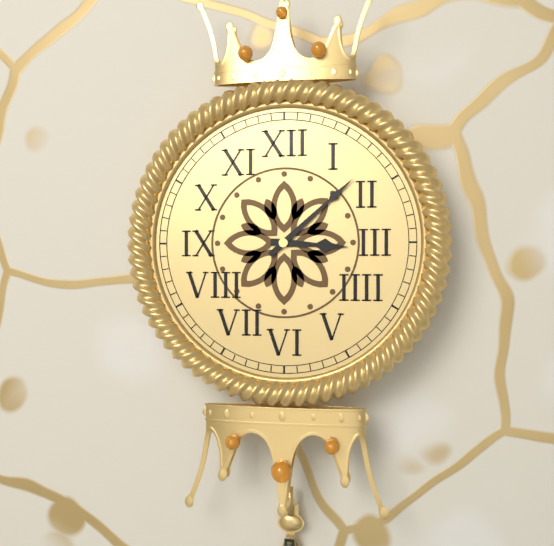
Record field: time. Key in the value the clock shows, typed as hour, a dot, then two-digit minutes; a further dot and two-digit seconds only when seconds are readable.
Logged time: 3.08
